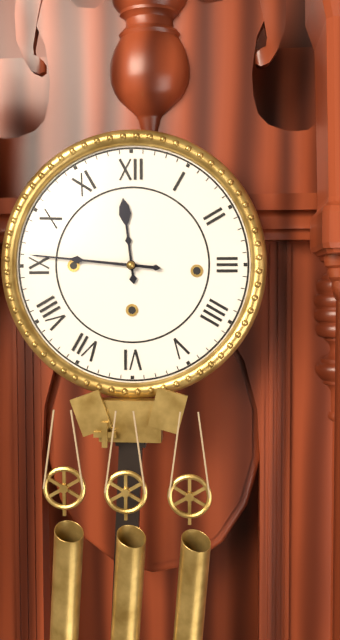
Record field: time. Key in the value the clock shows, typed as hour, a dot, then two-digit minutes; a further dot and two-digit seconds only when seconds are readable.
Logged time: 11.46
